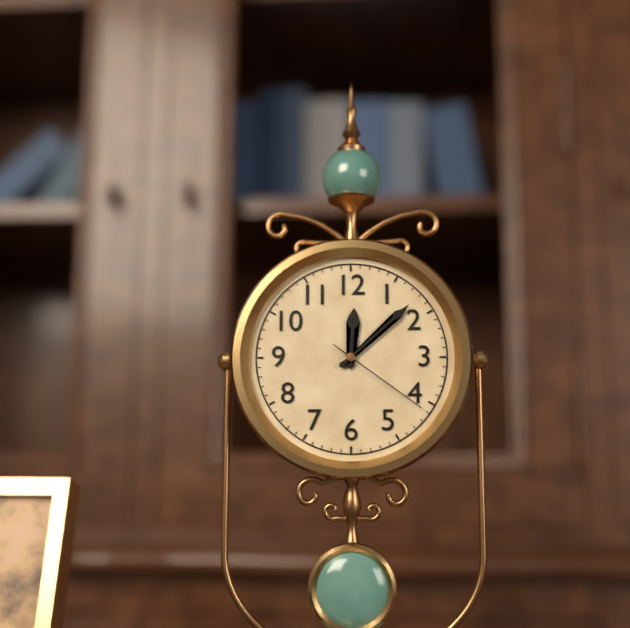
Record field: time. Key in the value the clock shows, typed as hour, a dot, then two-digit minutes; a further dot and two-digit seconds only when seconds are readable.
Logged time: 12.08.21
